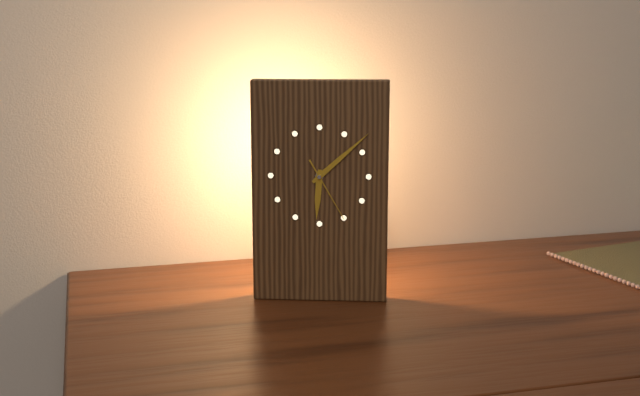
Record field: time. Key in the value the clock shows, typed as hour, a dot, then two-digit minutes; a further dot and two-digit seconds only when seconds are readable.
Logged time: 6.08.25
